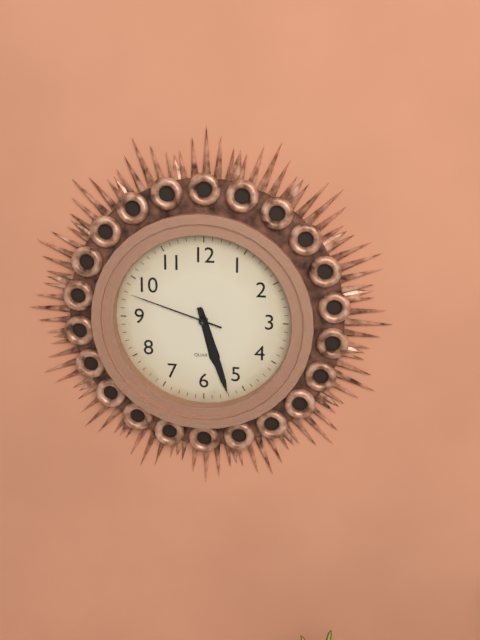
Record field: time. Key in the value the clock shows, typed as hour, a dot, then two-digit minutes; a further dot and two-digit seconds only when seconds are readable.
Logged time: 5.27.48
